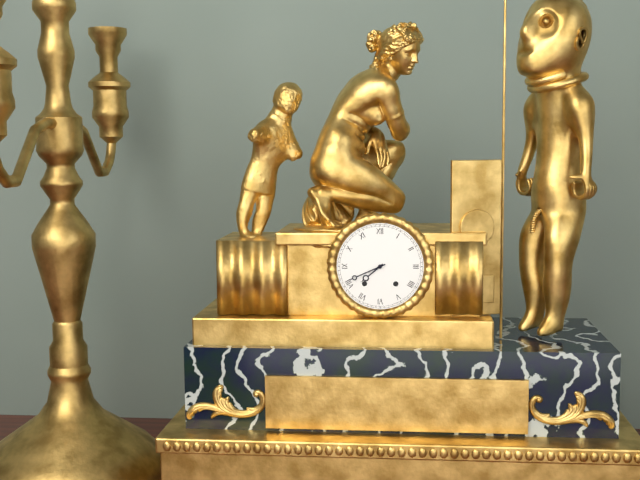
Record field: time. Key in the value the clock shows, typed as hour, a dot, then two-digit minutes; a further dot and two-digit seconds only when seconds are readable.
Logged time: 7.41
